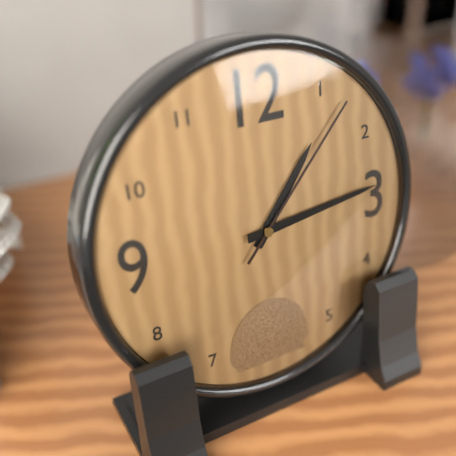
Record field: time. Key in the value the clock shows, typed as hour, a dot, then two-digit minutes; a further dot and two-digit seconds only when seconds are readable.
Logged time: 1.14.07
